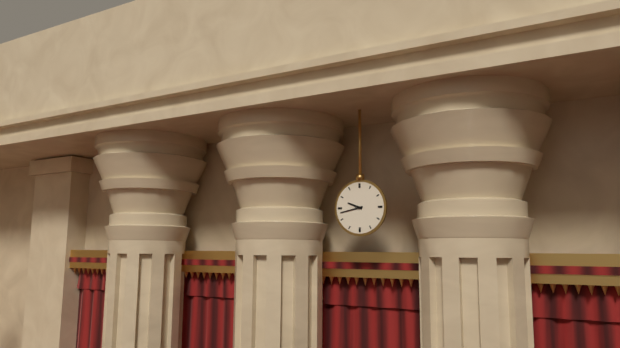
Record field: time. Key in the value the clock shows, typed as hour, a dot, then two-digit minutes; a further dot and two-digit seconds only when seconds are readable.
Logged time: 9.43
